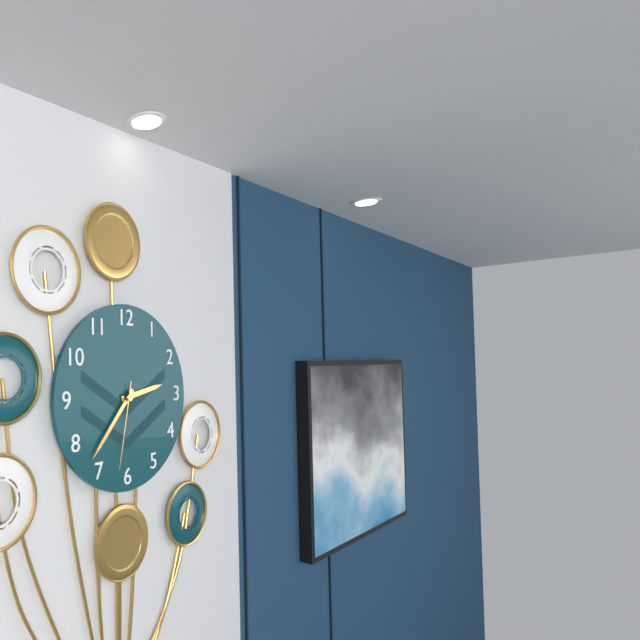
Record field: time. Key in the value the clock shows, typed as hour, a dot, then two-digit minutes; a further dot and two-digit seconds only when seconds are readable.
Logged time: 2.37.32
